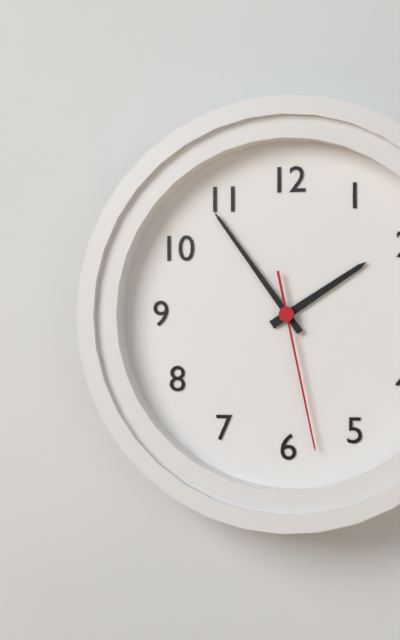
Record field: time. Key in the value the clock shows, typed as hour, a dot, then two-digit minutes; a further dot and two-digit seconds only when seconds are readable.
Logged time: 1.54.28
